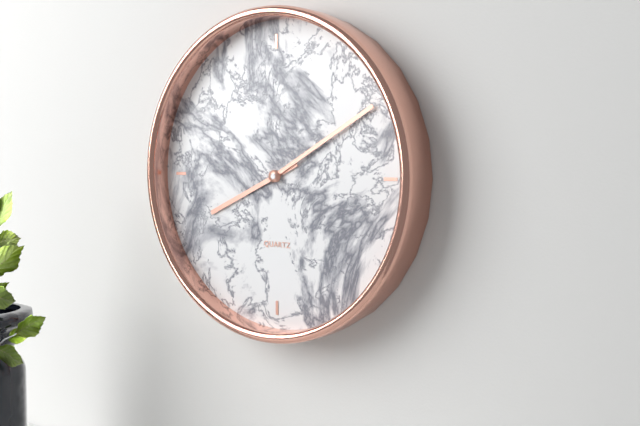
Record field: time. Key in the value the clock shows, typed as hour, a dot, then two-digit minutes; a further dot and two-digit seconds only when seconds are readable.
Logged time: 8.10
